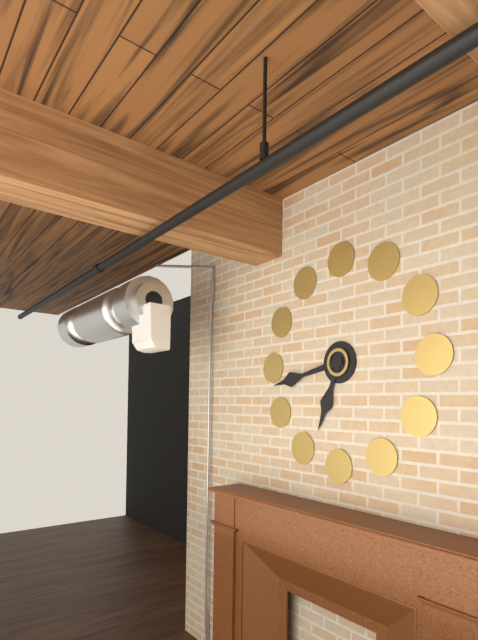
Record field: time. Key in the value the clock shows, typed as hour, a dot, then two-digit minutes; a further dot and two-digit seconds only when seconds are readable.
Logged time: 6.43
